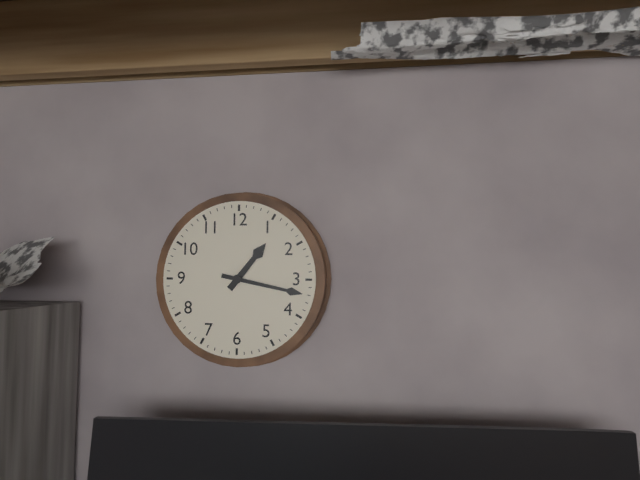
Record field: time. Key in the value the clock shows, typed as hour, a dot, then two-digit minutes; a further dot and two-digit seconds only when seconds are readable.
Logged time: 1.17
